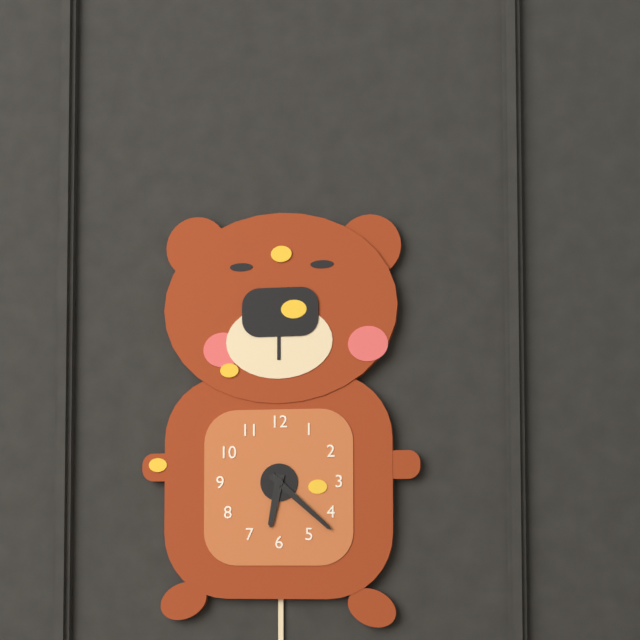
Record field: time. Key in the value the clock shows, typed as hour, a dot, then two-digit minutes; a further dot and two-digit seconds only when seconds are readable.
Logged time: 6.22
